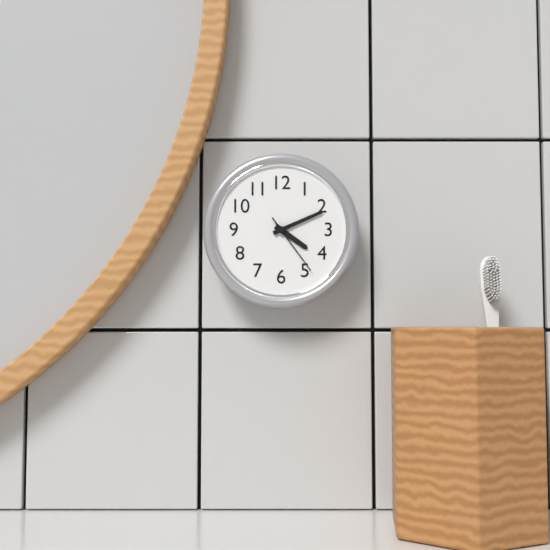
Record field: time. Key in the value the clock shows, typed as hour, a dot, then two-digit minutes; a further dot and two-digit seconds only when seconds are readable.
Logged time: 4.11.24
